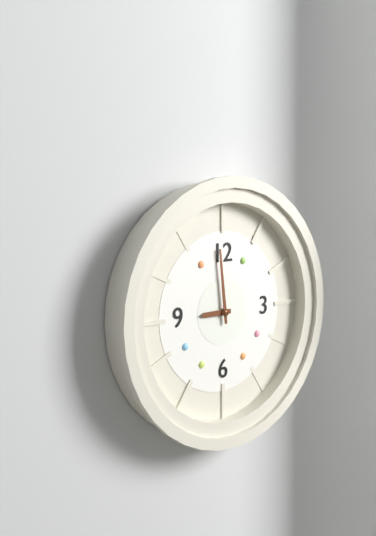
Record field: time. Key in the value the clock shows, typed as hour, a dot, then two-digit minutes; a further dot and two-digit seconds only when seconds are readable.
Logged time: 8.59
